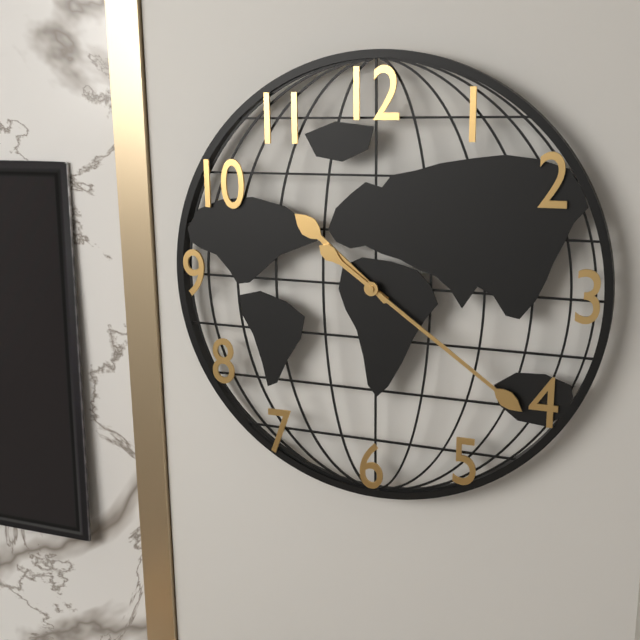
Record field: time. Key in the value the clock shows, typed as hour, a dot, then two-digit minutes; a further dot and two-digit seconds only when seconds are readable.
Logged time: 10.21
